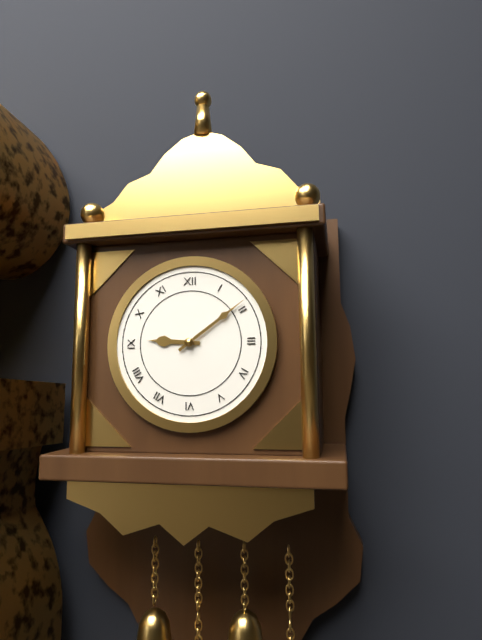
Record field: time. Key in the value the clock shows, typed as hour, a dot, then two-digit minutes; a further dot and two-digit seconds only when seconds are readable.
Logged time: 9.09
